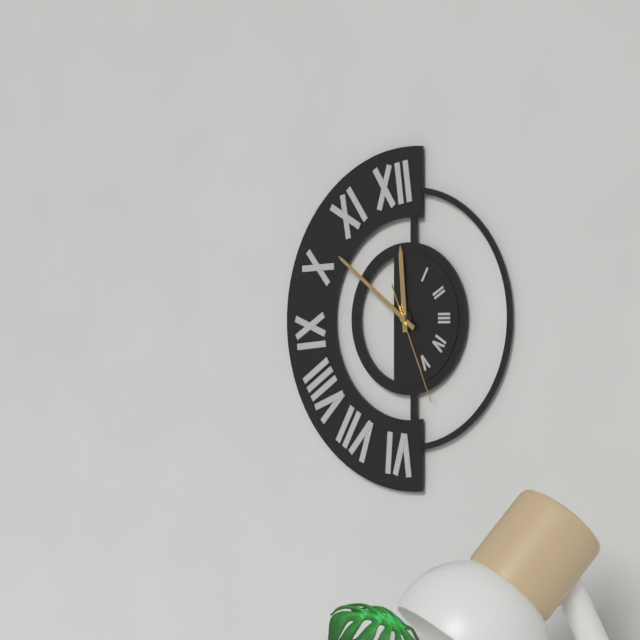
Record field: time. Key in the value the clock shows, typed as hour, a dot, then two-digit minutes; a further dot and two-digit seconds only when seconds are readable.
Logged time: 11.51.26
